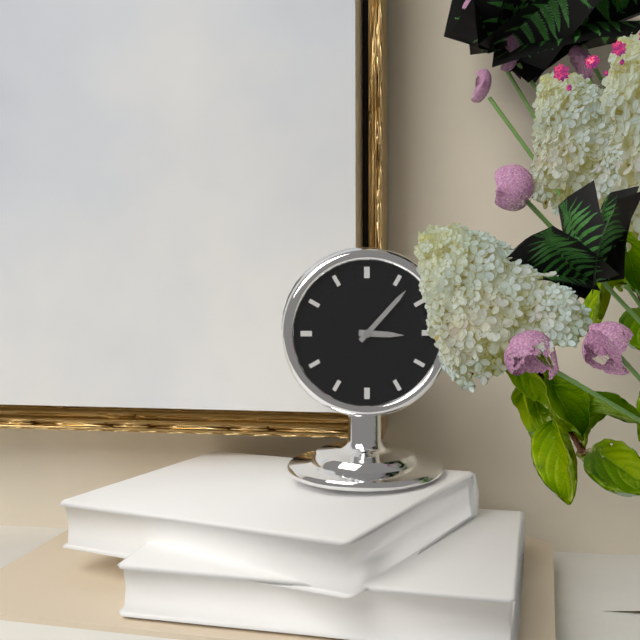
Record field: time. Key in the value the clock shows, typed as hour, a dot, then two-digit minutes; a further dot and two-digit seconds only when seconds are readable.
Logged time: 3.07
